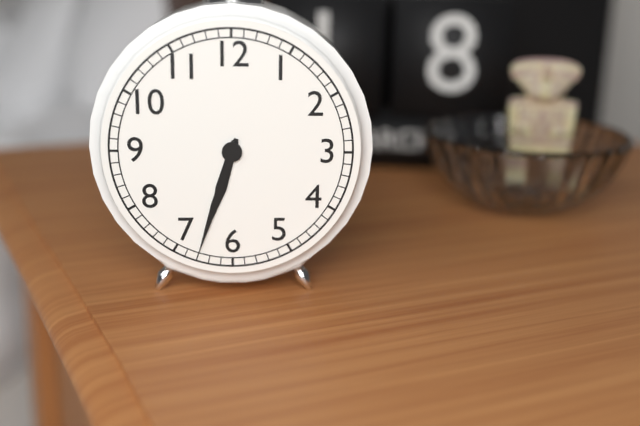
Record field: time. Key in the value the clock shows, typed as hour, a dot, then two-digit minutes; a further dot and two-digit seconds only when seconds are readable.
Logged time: 6.33
